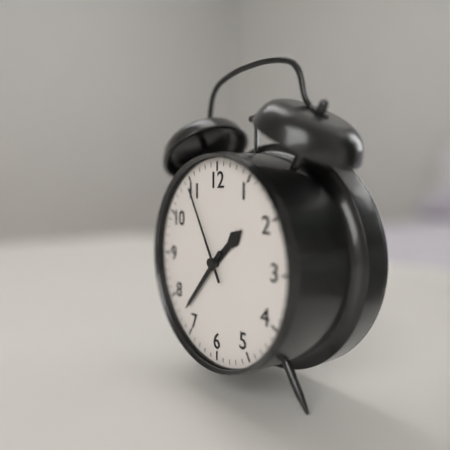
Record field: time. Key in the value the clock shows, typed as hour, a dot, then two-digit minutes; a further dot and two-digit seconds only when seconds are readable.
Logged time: 1.37.55
